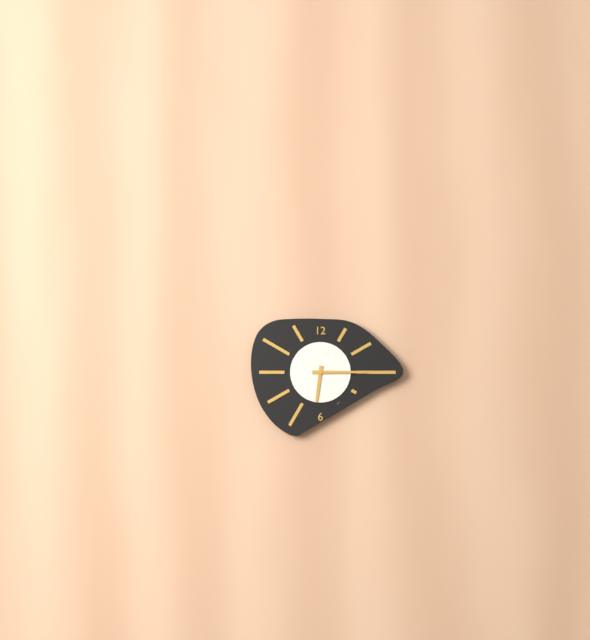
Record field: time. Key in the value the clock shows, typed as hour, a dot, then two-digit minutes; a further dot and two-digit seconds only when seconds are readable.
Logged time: 6.15
